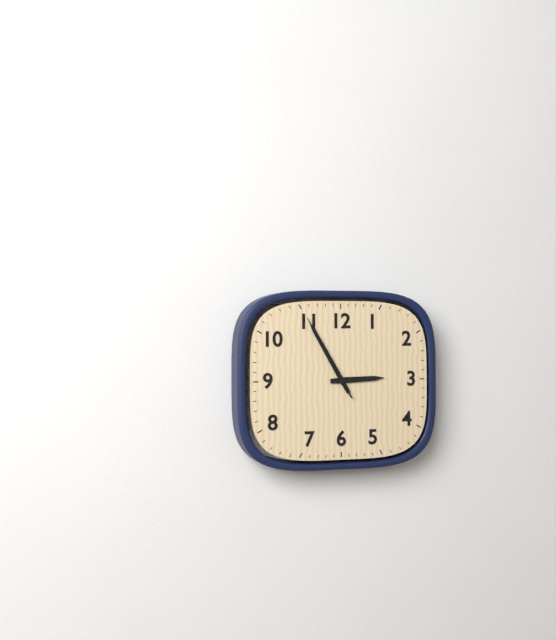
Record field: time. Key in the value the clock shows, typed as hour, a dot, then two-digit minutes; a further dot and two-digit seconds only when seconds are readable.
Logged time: 2.55.55
